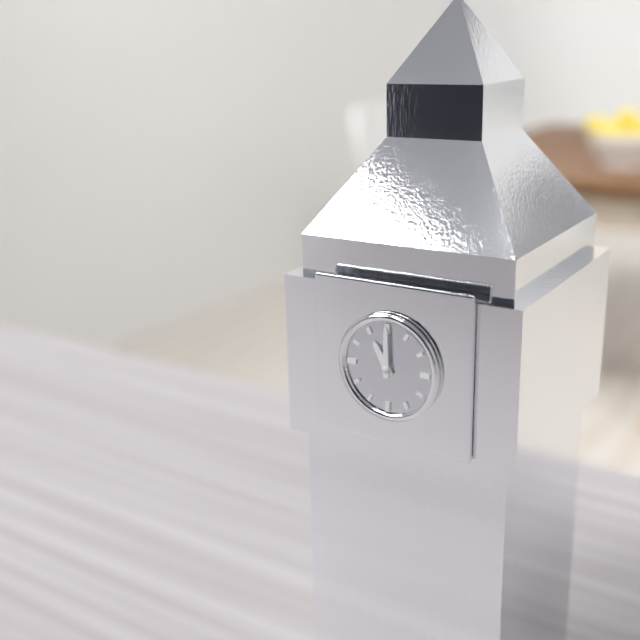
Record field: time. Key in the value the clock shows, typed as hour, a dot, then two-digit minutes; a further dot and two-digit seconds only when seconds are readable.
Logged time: 11.00
